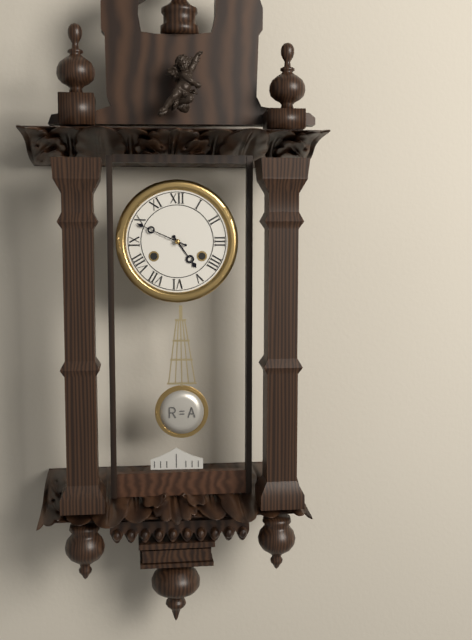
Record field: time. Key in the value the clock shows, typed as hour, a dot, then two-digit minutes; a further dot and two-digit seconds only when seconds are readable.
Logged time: 4.49
